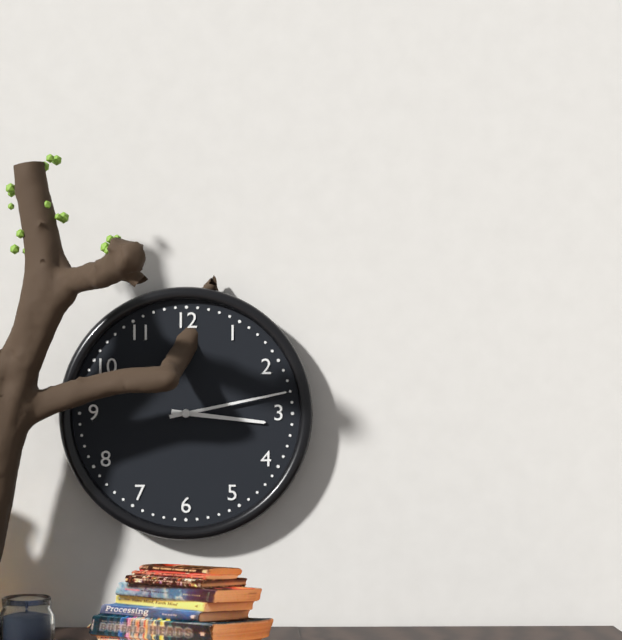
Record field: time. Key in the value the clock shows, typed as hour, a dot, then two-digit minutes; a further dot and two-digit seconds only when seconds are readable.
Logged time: 3.13
